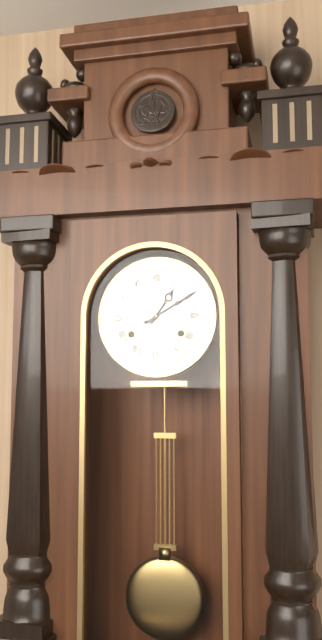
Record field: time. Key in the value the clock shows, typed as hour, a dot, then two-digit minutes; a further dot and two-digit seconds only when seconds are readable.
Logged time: 1.10
